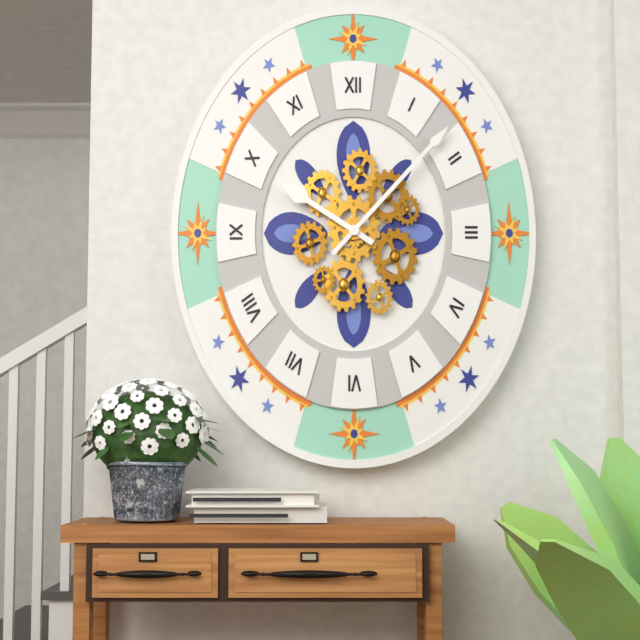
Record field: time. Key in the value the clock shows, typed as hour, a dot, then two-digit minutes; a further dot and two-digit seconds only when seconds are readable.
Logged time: 10.07
